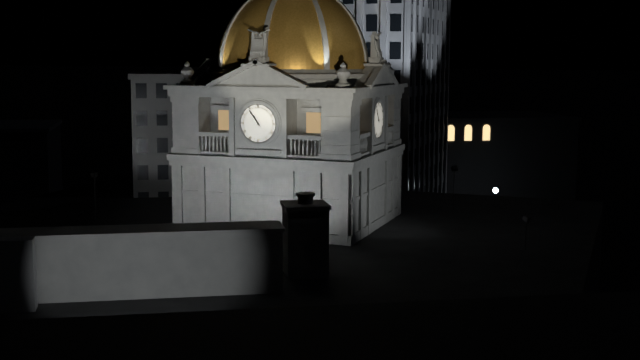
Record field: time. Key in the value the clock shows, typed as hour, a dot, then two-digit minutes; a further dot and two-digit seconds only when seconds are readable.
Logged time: 10.54
